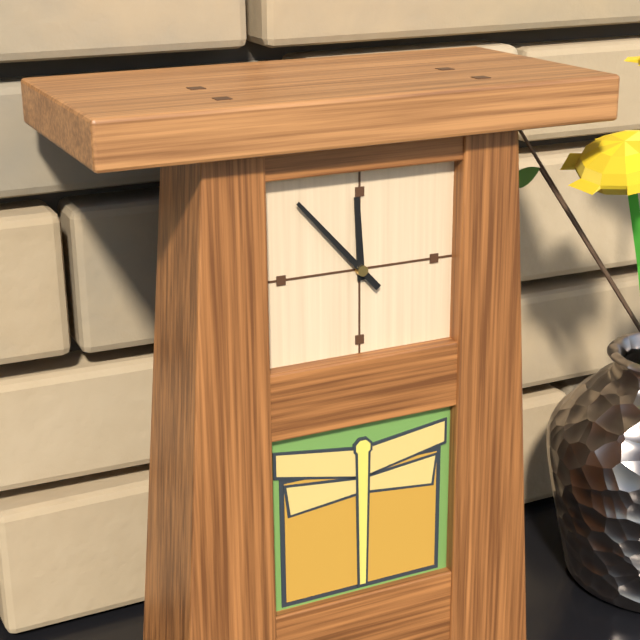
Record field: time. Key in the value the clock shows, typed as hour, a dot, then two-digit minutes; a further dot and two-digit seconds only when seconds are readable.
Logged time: 11.53
